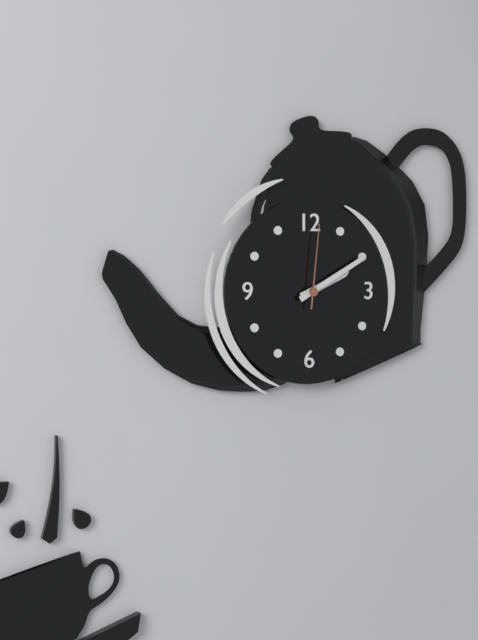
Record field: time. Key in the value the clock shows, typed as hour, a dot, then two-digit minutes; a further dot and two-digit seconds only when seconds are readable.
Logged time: 2.10.01
